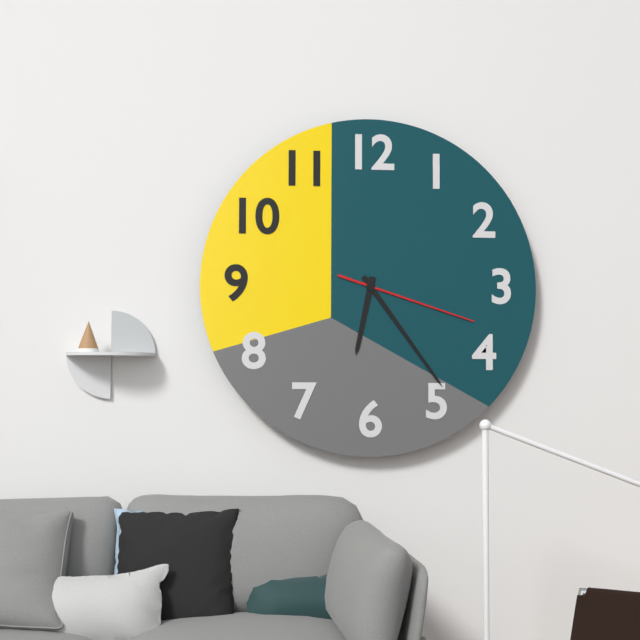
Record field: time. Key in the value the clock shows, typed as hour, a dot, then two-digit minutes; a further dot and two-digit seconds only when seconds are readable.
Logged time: 6.24.18
